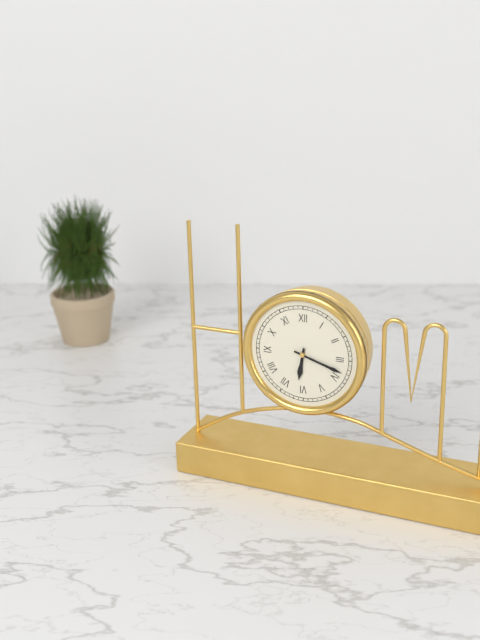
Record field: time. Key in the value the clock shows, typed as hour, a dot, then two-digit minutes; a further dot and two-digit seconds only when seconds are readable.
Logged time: 6.18
